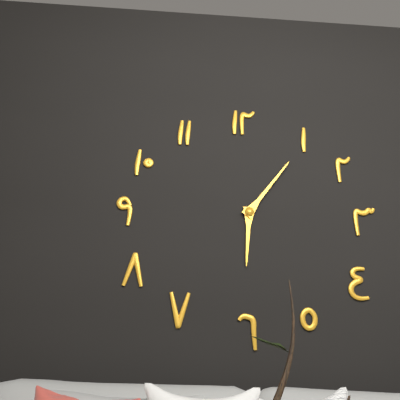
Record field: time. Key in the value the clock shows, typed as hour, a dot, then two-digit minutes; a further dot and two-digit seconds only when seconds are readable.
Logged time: 6.06
